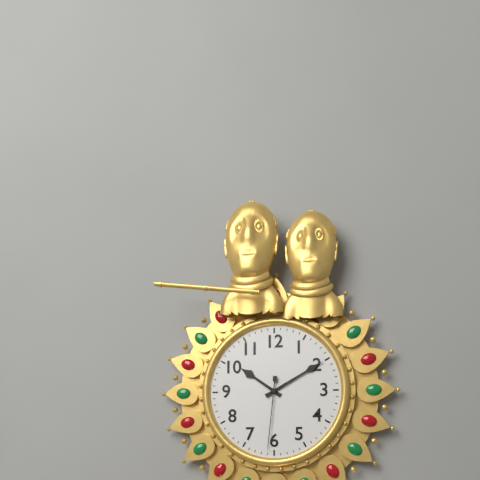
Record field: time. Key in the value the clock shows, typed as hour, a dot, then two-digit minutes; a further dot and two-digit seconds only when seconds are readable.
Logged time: 10.10.31
